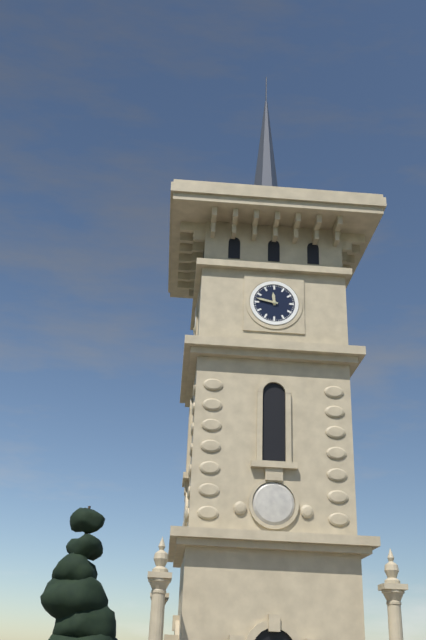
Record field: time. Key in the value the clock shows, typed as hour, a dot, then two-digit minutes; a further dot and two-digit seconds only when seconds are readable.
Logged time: 11.47
